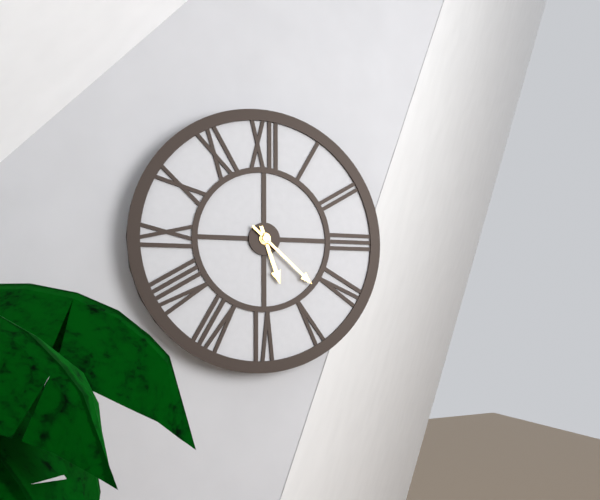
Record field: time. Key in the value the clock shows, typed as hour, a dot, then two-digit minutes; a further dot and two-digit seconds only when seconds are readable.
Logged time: 5.22
